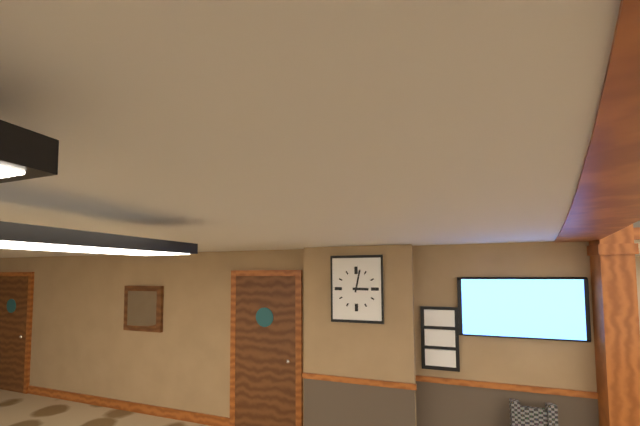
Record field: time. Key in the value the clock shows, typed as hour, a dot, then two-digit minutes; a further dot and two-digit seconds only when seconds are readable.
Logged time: 3.02
